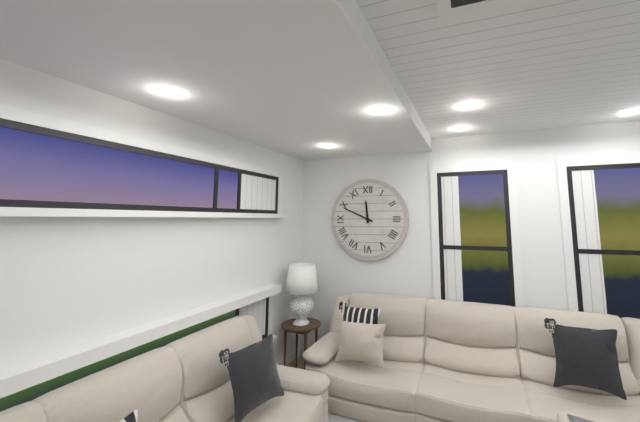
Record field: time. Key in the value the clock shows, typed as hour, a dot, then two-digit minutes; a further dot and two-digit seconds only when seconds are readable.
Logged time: 11.49
